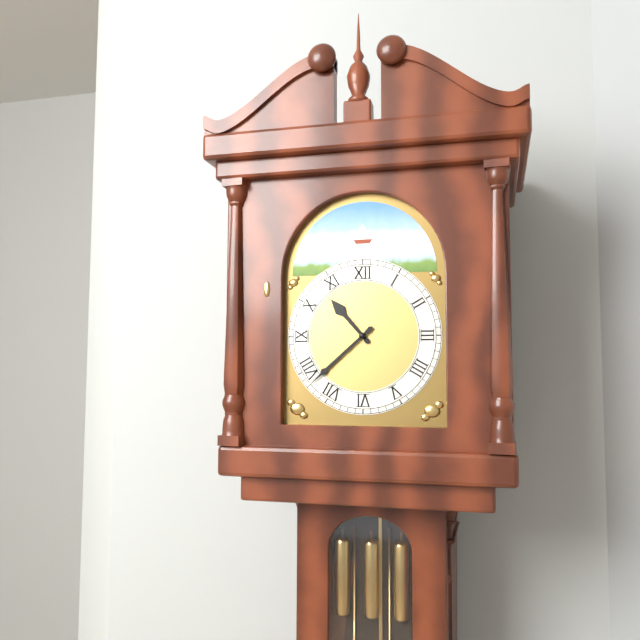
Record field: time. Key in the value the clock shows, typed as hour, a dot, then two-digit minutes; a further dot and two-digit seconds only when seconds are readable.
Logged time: 10.38
